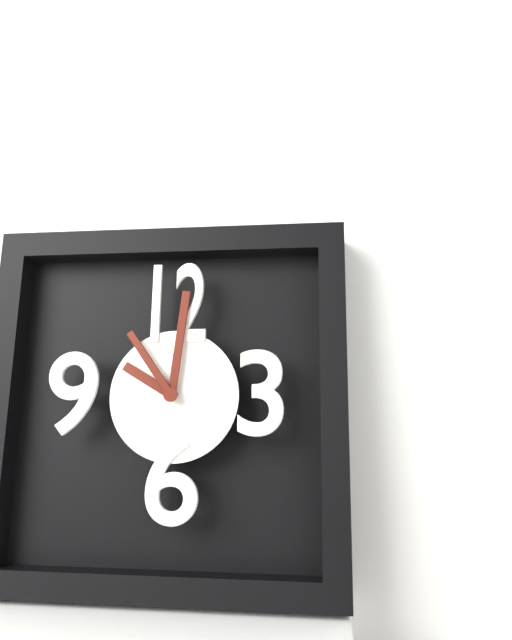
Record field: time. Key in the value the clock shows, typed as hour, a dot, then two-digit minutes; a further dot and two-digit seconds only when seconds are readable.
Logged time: 10.01.54
